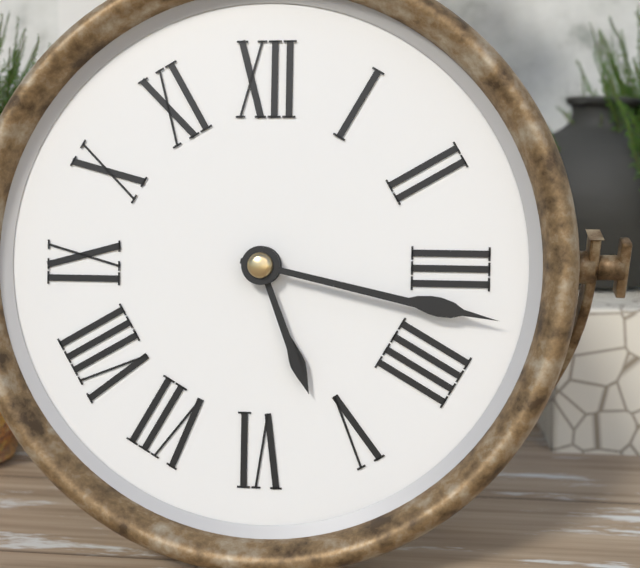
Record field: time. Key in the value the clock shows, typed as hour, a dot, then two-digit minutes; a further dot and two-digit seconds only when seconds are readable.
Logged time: 5.17
